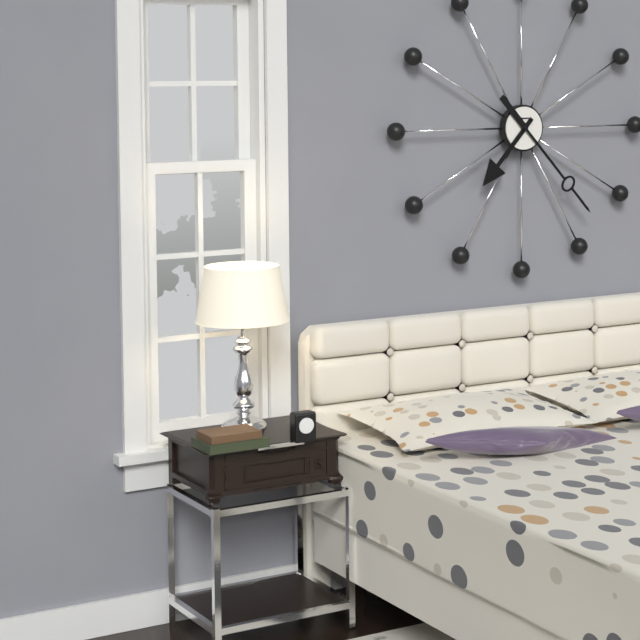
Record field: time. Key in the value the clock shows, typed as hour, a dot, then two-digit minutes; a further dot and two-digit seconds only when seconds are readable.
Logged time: 7.23
